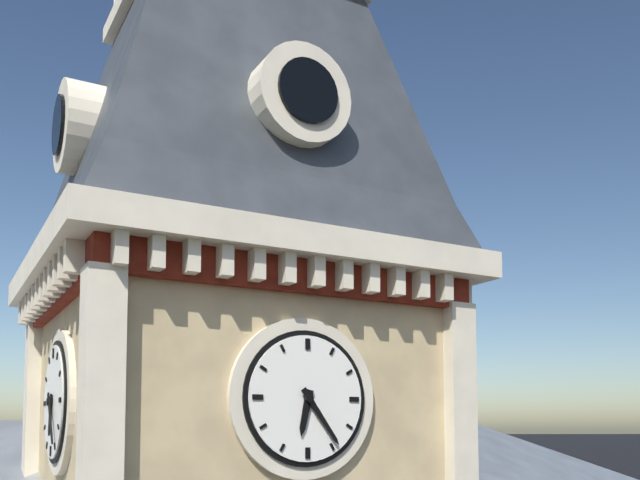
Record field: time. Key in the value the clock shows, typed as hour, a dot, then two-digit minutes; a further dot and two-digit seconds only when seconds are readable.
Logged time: 6.24
